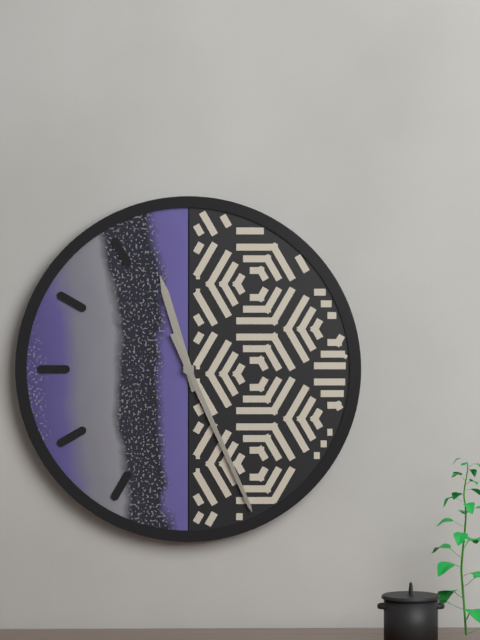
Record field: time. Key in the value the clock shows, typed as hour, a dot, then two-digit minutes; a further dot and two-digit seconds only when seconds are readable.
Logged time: 11.26
